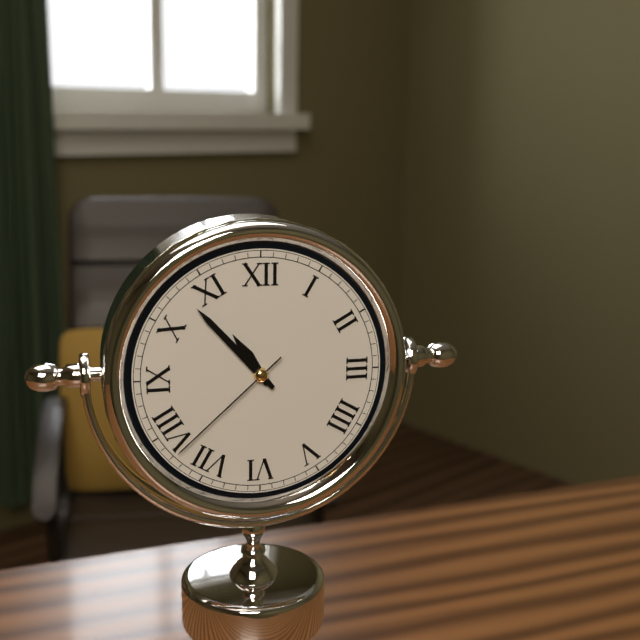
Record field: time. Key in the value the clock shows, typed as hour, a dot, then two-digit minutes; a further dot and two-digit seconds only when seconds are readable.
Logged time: 10.53.38
